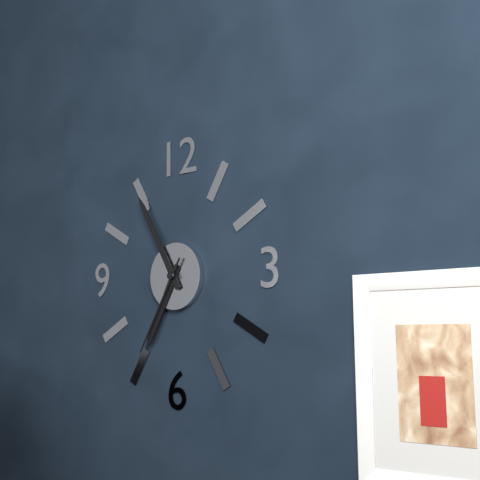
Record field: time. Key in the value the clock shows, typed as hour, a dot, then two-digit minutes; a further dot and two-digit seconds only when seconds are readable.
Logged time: 6.55.35
